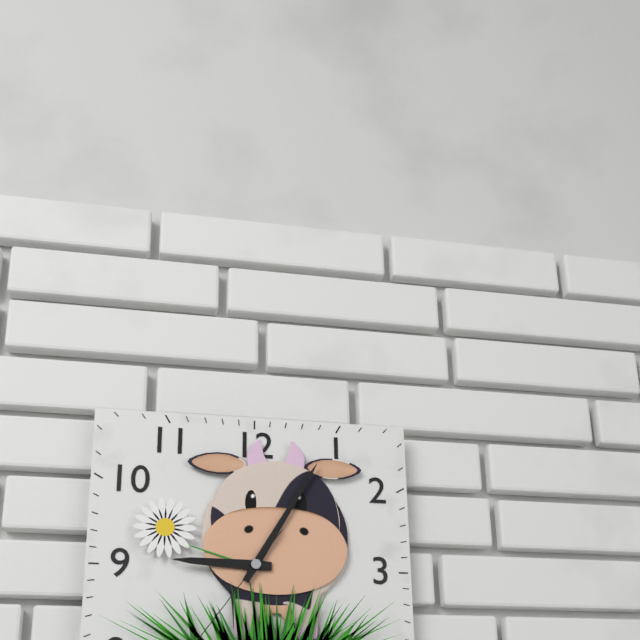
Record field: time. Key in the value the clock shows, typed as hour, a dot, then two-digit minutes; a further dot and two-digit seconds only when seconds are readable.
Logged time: 9.05
